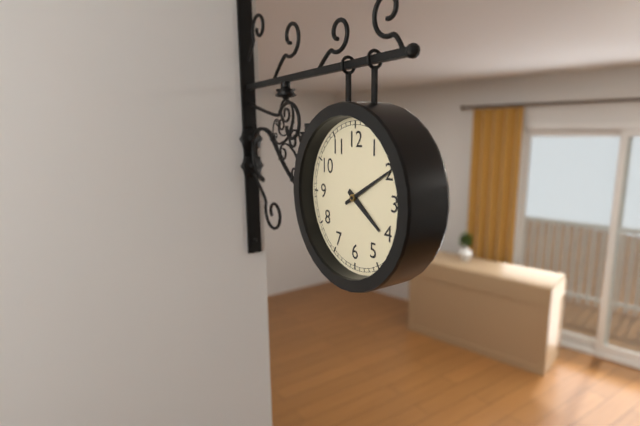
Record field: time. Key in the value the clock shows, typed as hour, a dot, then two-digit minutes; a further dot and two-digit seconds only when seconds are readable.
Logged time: 4.10
